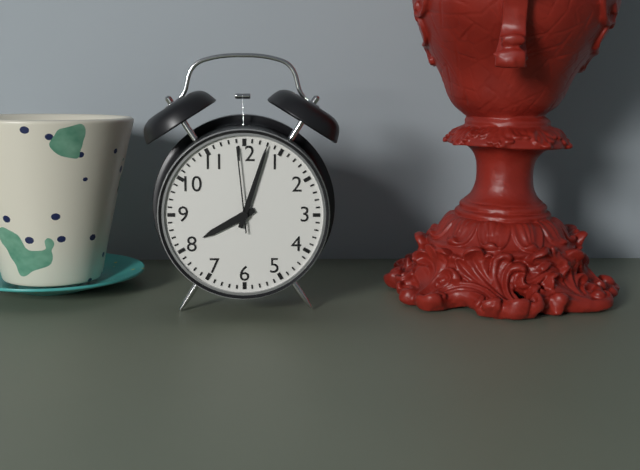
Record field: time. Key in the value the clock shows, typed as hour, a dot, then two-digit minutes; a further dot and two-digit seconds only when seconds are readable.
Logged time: 8.03.59
